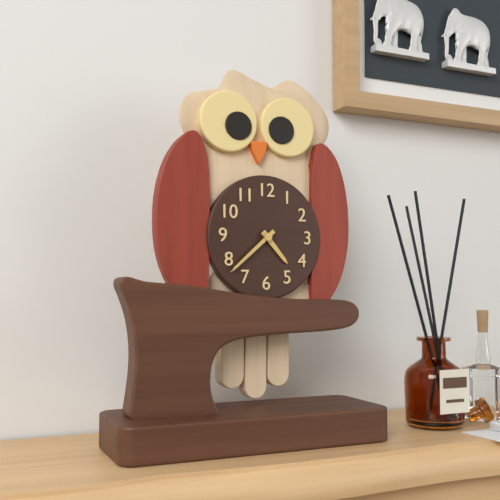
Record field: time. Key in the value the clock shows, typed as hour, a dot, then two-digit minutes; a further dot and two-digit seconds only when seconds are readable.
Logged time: 4.38
